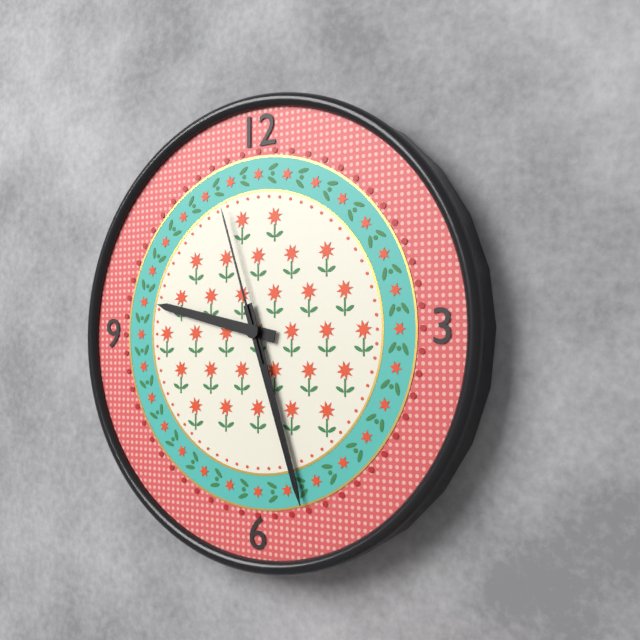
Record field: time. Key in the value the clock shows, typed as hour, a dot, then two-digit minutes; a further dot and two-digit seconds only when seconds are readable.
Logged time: 9.27.57
